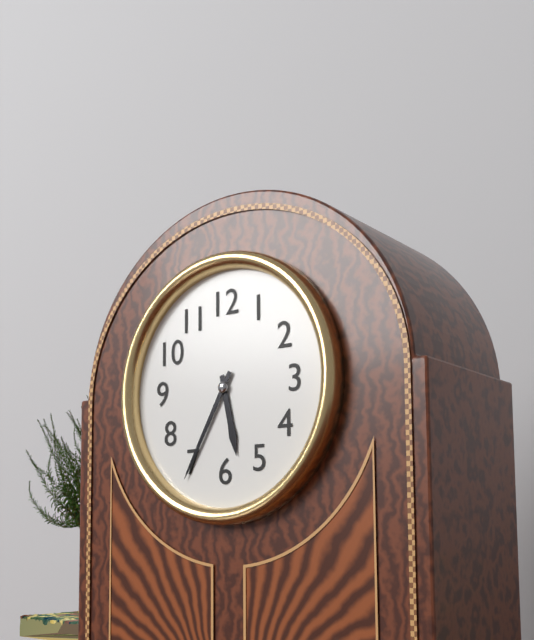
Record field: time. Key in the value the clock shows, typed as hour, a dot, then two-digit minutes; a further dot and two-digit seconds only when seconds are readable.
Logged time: 5.35
